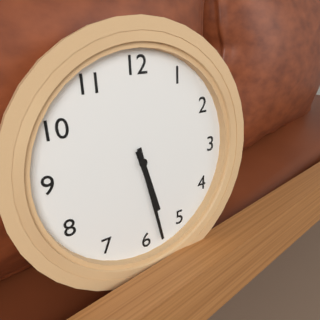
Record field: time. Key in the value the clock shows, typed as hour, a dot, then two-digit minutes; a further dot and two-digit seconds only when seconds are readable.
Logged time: 5.28
